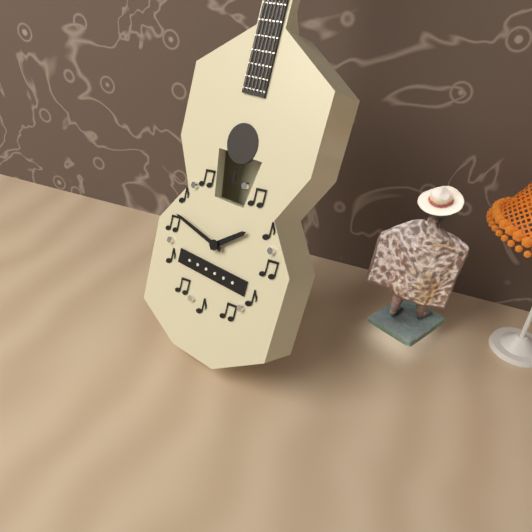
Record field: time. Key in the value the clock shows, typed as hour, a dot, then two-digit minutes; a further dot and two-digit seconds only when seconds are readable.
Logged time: 1.47
